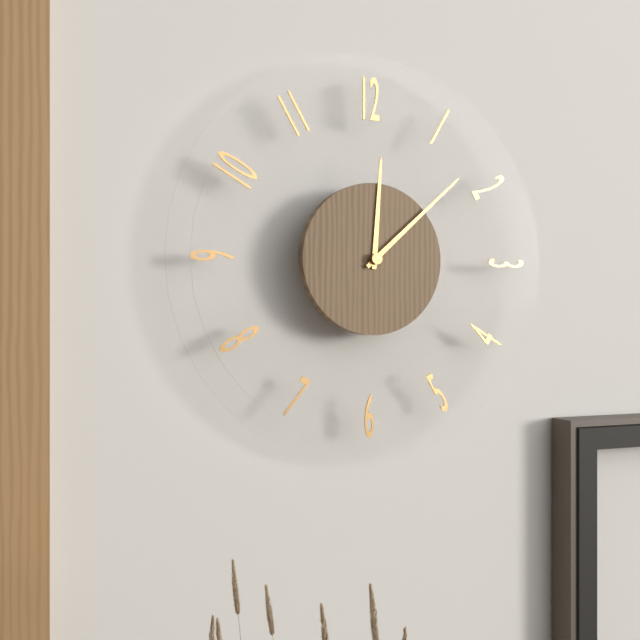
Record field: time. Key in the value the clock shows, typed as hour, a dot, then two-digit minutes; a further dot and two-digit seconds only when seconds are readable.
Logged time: 12.08
